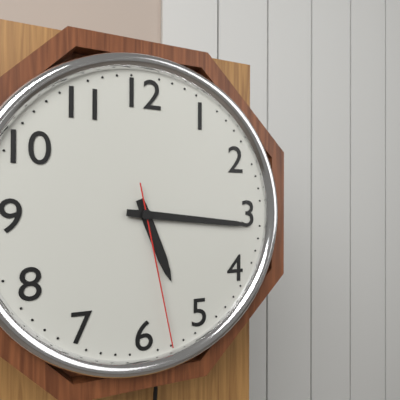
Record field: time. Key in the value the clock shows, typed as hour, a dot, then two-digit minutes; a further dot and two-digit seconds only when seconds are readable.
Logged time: 5.16.28
